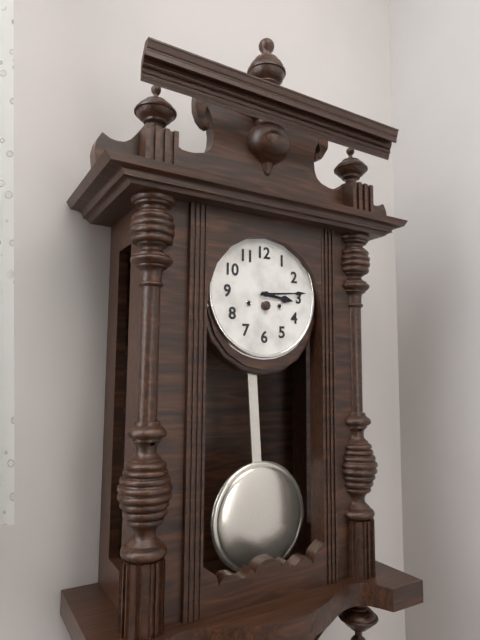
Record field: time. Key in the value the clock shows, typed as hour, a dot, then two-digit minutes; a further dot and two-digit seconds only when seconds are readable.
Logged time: 3.14
